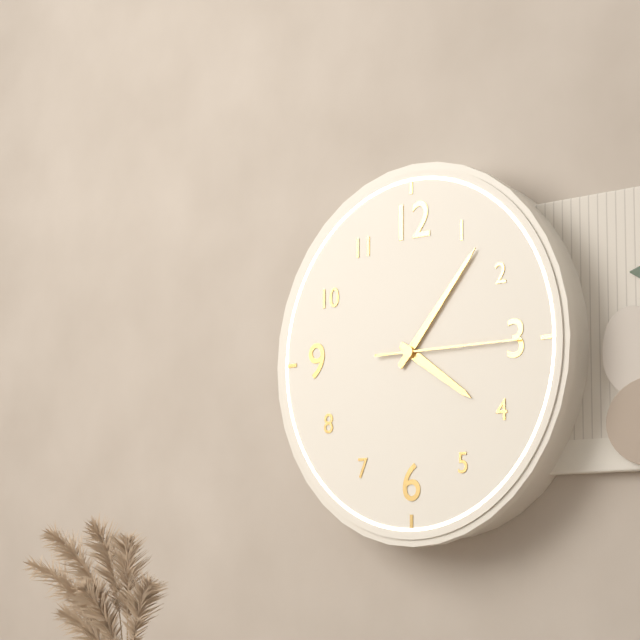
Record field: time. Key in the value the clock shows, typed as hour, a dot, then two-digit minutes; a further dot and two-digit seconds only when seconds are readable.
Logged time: 4.07.15
